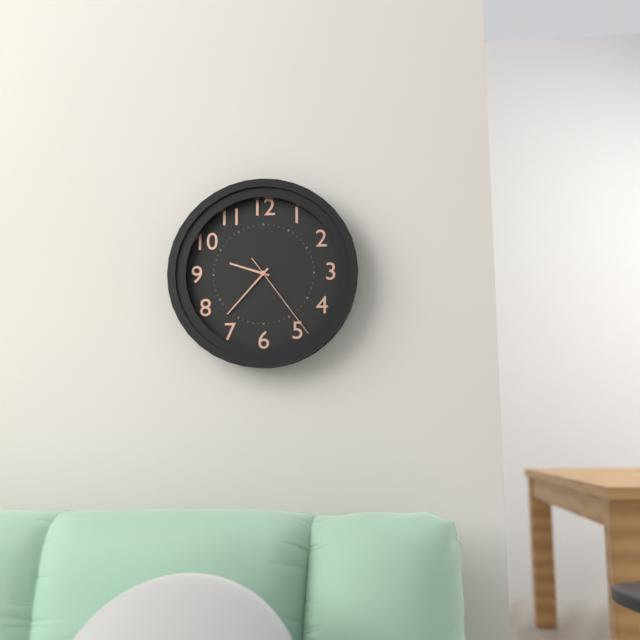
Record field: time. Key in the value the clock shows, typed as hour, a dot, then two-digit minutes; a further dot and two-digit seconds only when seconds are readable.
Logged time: 9.37.24
